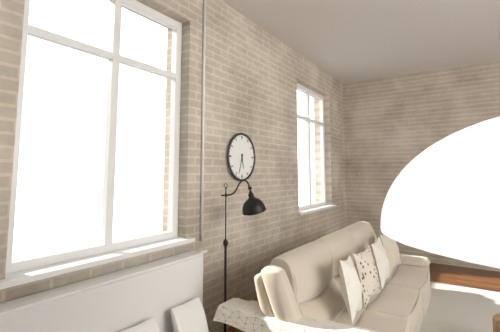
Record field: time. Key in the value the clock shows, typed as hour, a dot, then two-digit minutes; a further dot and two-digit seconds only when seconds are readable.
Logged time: 5.33
